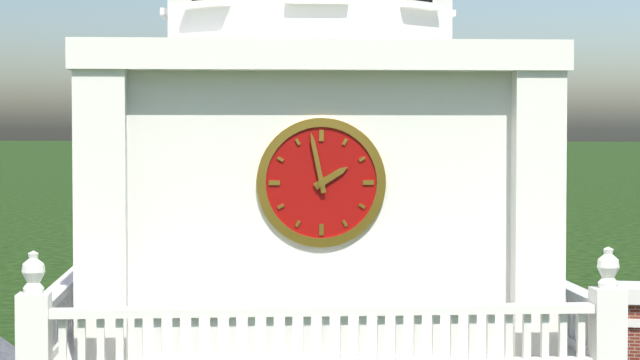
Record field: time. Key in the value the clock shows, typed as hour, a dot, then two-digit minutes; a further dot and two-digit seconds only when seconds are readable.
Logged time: 1.58
